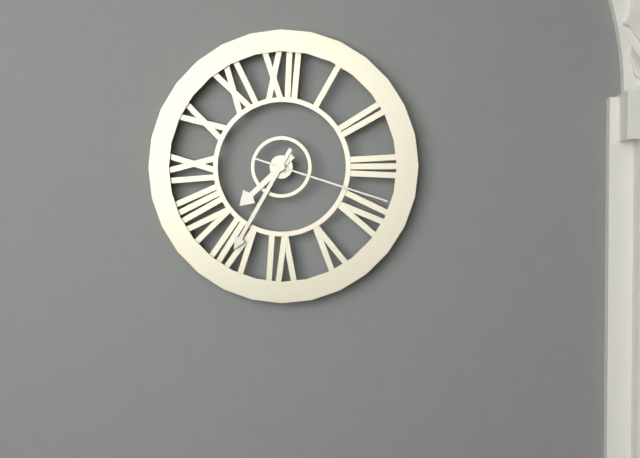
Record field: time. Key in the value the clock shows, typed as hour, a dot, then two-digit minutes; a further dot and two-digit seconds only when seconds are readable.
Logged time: 7.35.18
